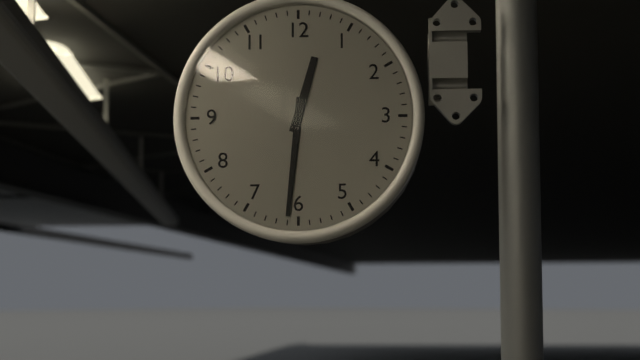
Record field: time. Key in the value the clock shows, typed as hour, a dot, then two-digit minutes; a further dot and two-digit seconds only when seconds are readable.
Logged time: 12.31
